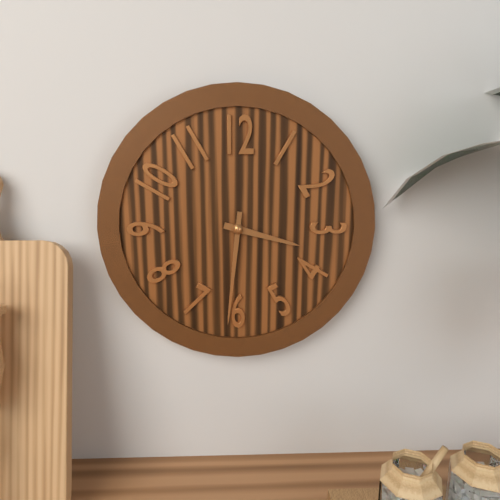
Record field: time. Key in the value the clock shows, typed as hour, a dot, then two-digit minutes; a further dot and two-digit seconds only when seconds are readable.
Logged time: 3.31
